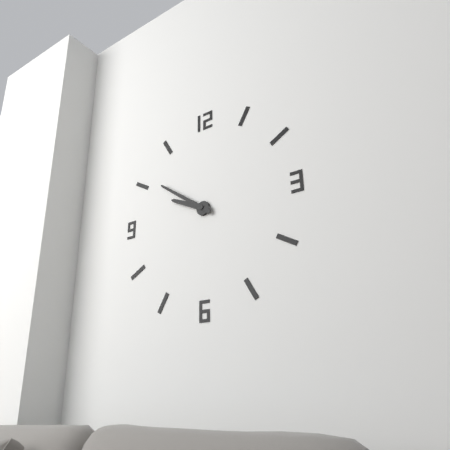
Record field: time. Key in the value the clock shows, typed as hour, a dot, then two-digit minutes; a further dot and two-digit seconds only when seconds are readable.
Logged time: 9.51
